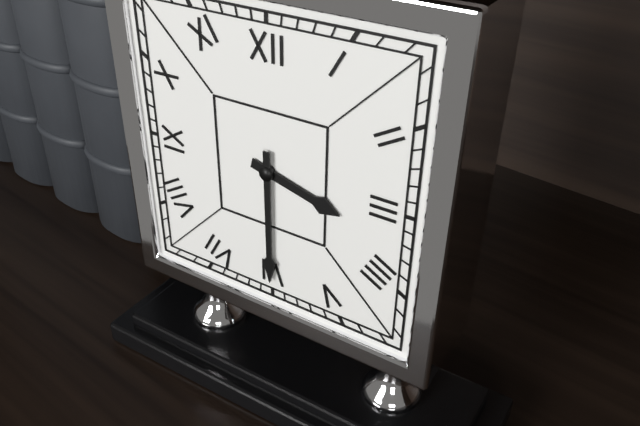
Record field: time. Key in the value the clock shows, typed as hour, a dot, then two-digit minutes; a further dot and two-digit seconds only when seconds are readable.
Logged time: 3.30
